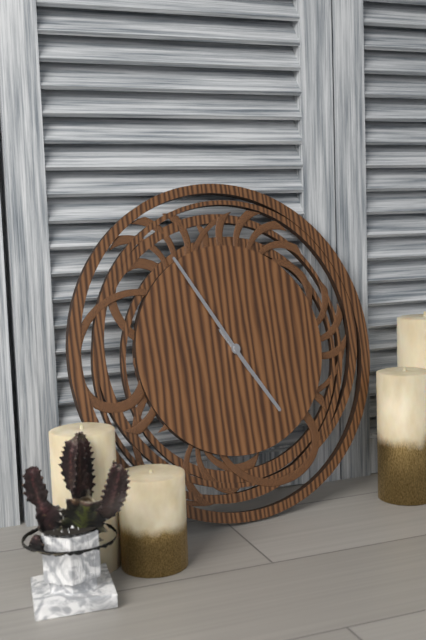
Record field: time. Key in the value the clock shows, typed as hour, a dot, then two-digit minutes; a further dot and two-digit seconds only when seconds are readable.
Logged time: 4.55
